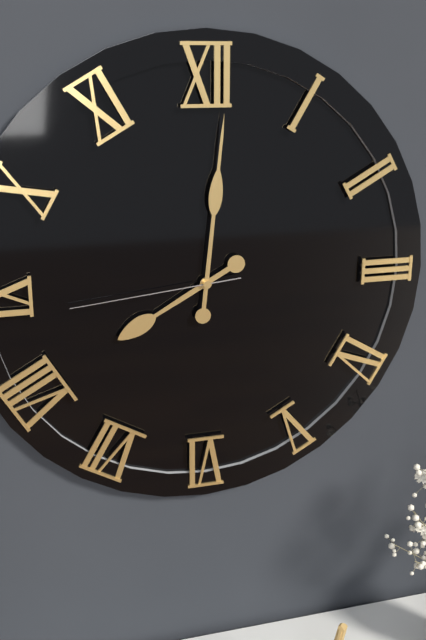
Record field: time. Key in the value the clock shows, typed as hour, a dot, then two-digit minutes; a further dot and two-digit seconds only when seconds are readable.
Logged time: 8.01.44
